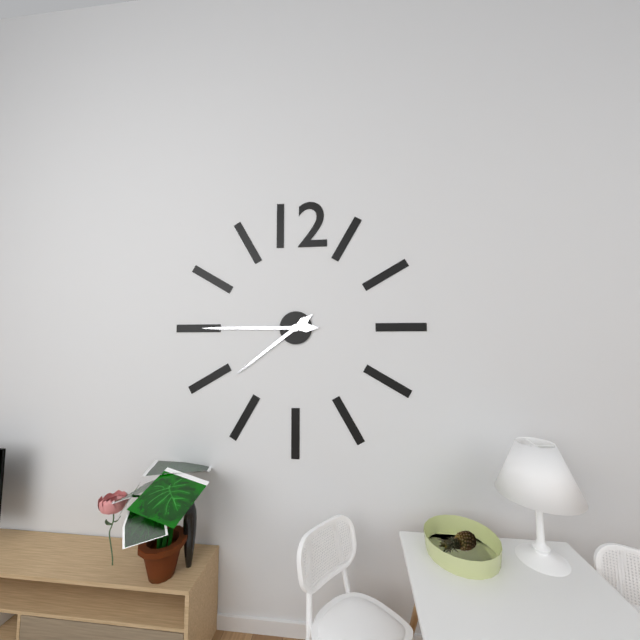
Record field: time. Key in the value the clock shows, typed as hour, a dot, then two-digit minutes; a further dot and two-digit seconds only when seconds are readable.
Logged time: 7.45
